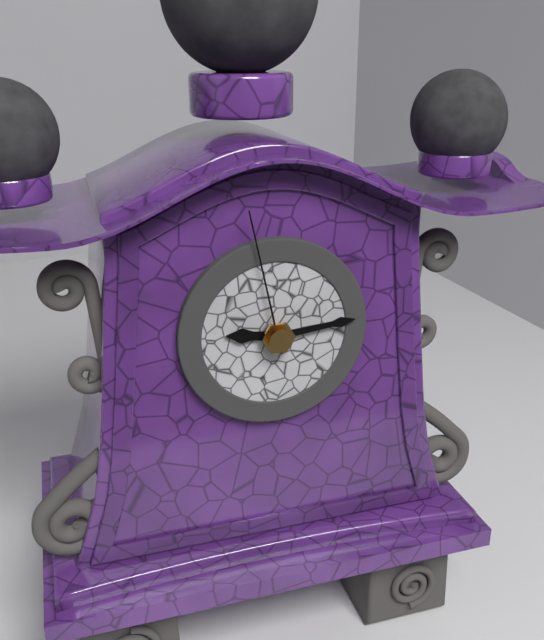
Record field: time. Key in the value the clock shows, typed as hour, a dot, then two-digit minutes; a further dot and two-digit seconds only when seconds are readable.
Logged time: 9.14.58
